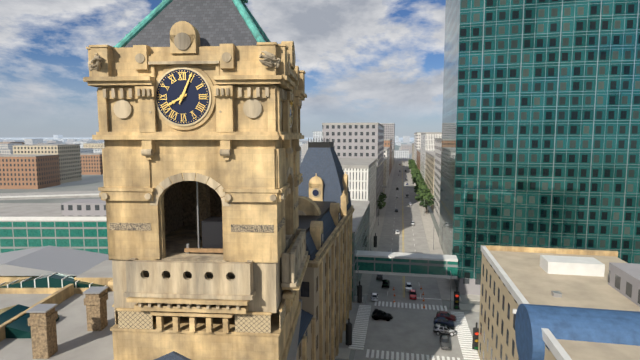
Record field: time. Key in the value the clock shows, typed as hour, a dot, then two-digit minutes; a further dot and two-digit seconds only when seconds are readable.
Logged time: 8.04
